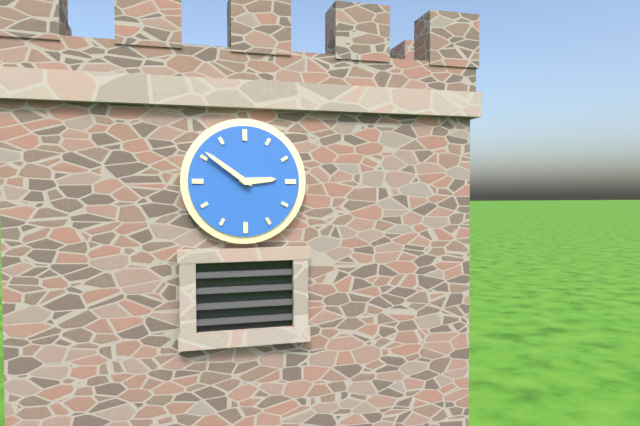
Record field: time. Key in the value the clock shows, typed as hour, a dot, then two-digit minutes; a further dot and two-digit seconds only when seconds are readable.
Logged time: 2.51
